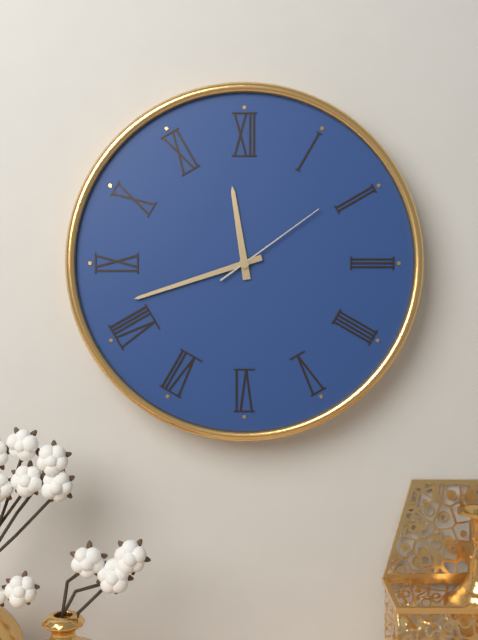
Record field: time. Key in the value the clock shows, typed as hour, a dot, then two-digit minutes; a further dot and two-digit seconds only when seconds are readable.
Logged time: 11.42.09
